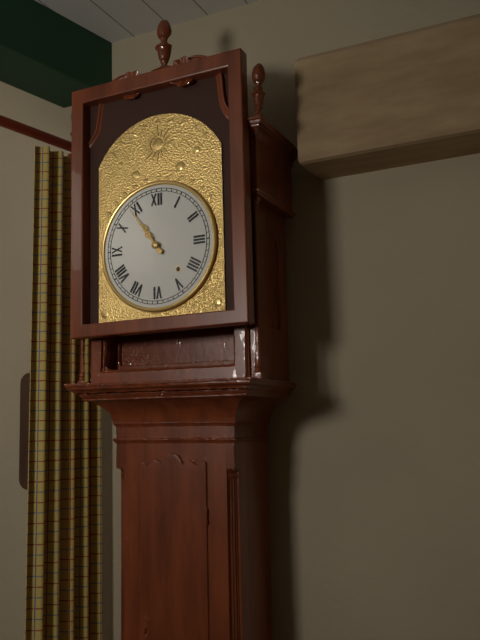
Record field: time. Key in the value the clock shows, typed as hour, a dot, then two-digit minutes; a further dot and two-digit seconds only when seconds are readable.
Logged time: 10.54
